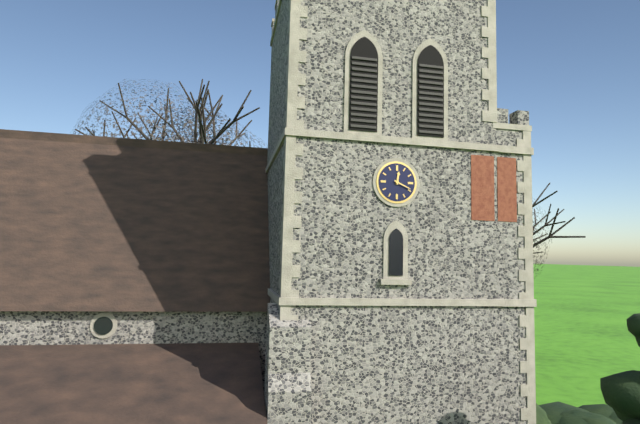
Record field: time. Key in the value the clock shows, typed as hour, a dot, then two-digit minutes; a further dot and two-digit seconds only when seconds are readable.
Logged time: 12.19
